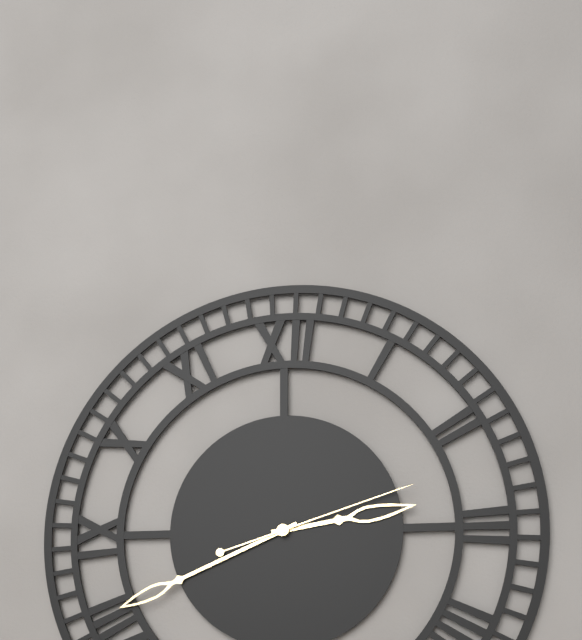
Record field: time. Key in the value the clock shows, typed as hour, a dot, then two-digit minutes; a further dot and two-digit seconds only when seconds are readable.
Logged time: 2.41.12
